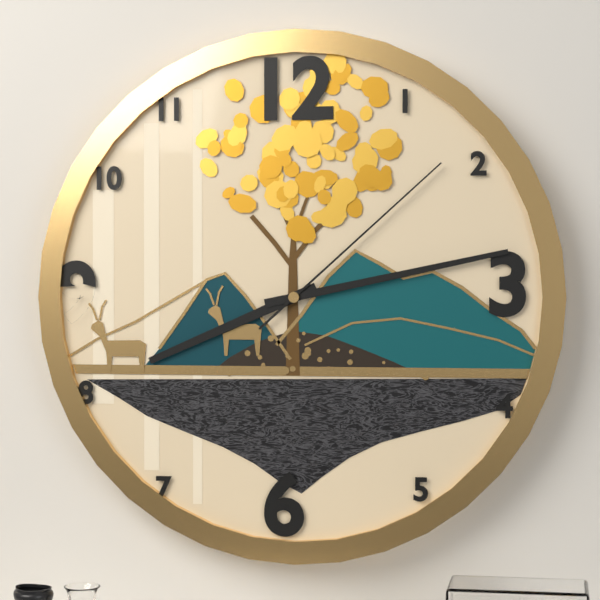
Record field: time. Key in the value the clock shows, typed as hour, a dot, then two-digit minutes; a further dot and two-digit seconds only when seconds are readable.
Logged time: 8.13.08
